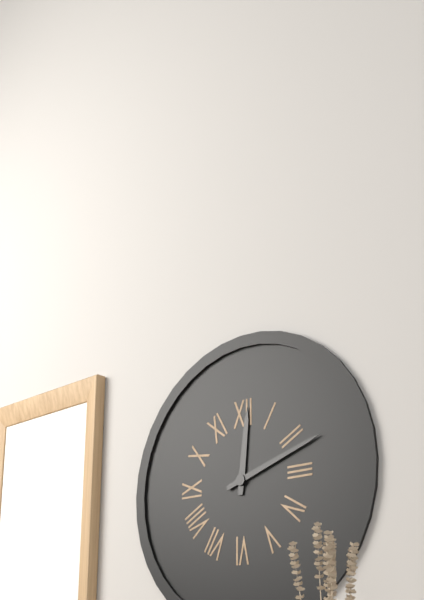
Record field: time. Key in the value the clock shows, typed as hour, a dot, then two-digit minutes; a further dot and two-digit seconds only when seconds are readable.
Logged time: 12.12
